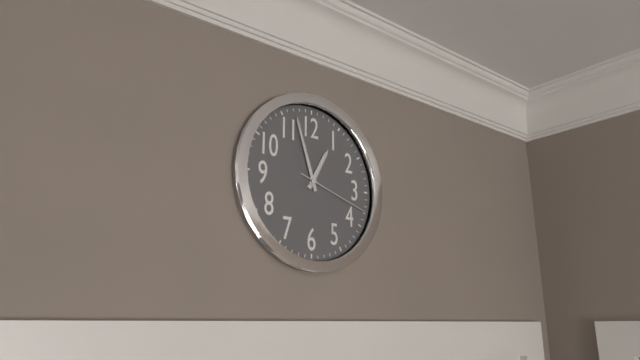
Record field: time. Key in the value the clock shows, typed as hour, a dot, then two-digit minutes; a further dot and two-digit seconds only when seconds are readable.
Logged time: 12.57.18
